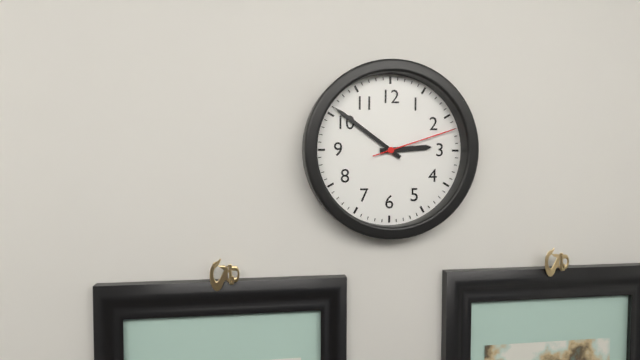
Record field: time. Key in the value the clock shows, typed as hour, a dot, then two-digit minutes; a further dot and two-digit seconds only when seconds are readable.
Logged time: 2.51.12
